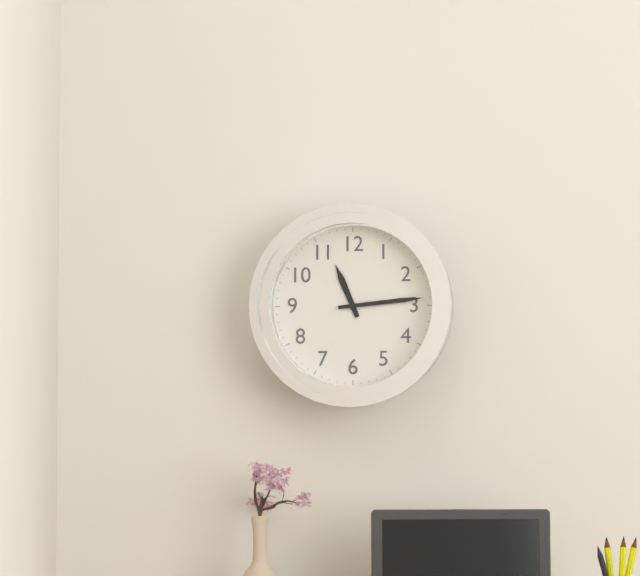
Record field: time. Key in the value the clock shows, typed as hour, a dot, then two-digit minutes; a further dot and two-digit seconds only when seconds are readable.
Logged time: 11.14
